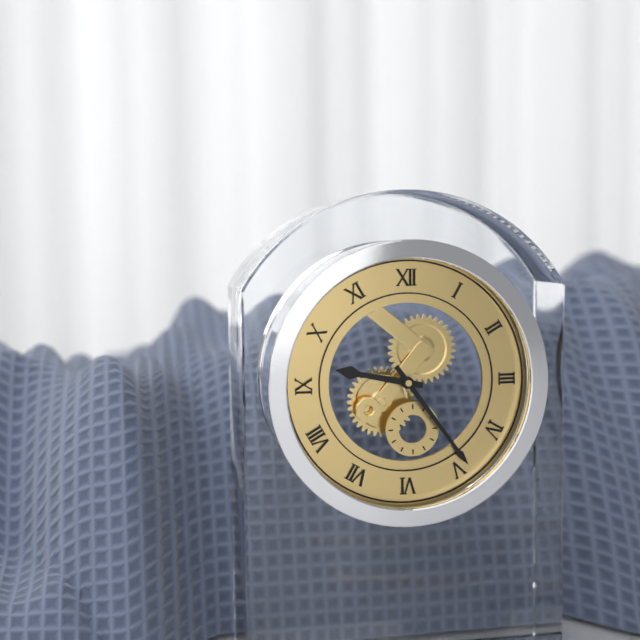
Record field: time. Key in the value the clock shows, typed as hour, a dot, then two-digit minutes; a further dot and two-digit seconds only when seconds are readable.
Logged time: 9.24
